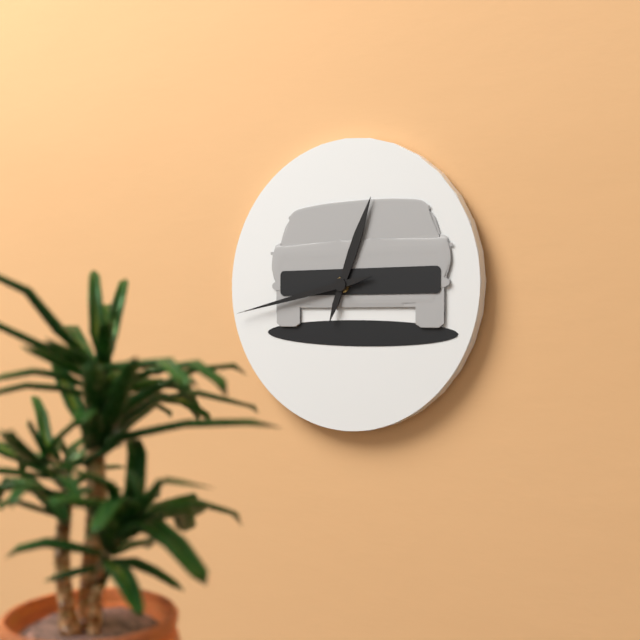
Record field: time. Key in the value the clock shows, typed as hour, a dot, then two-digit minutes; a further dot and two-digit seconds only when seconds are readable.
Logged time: 12.43
